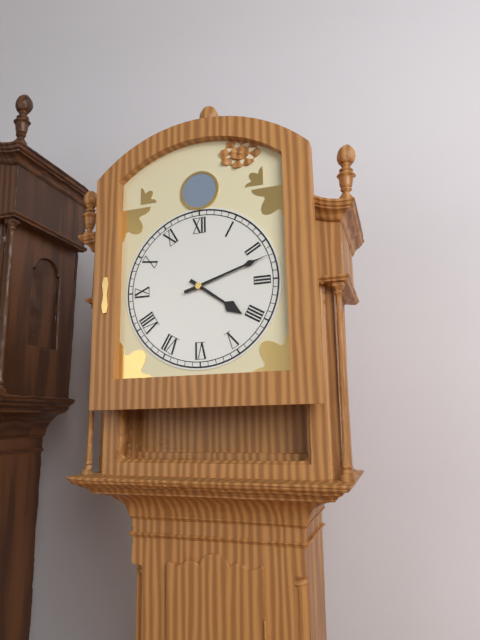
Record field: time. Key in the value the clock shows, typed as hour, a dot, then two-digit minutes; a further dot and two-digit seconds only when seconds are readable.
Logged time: 4.12
